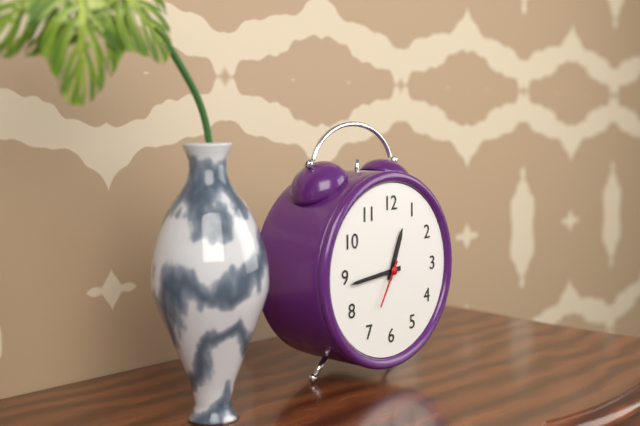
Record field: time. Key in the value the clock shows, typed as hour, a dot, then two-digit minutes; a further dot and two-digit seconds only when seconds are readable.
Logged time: 12.44
